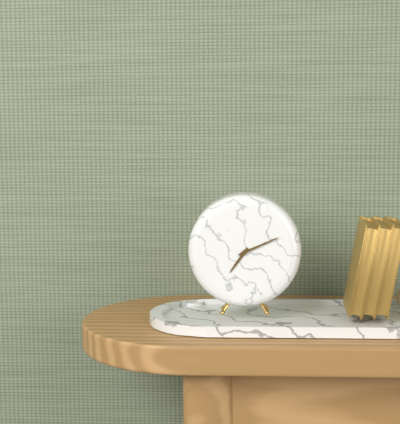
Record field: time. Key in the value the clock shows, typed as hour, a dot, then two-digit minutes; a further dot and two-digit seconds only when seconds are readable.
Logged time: 7.11
